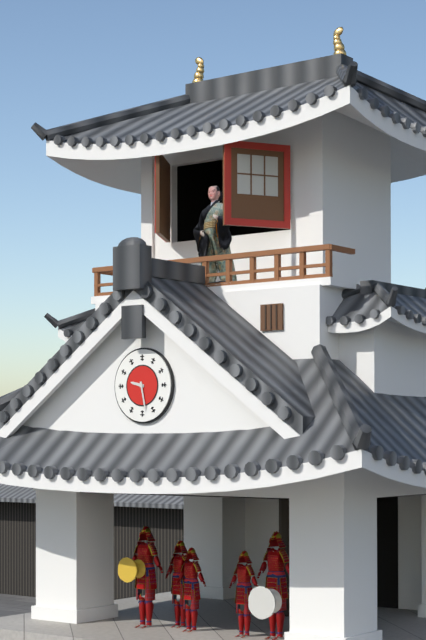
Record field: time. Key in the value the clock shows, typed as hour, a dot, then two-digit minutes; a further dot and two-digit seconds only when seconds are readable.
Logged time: 9.28
